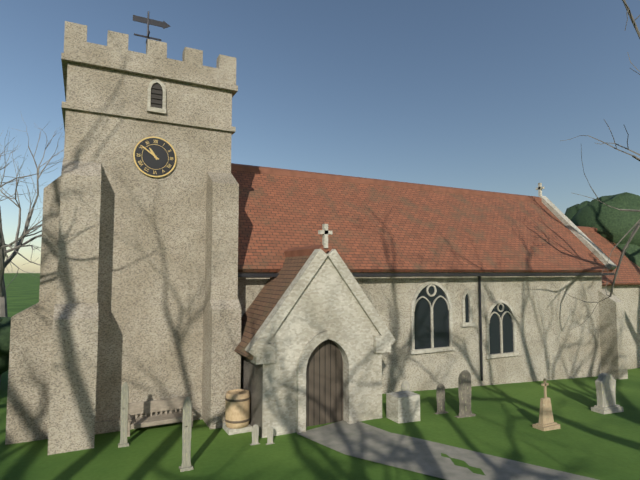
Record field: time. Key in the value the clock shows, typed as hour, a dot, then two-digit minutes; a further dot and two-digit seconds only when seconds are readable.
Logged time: 10.51
